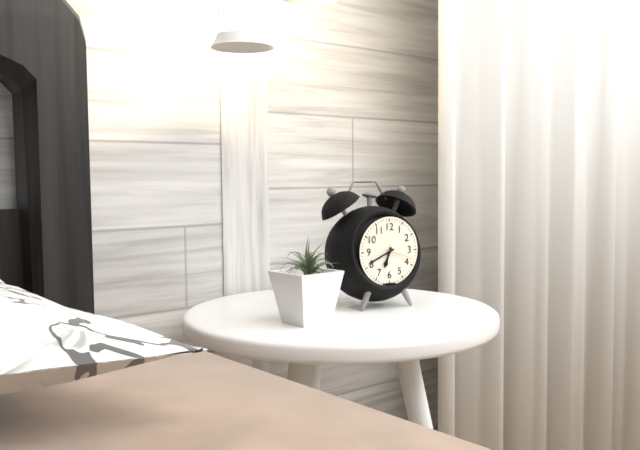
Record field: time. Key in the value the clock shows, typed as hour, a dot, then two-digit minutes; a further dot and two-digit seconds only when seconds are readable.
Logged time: 6.41
